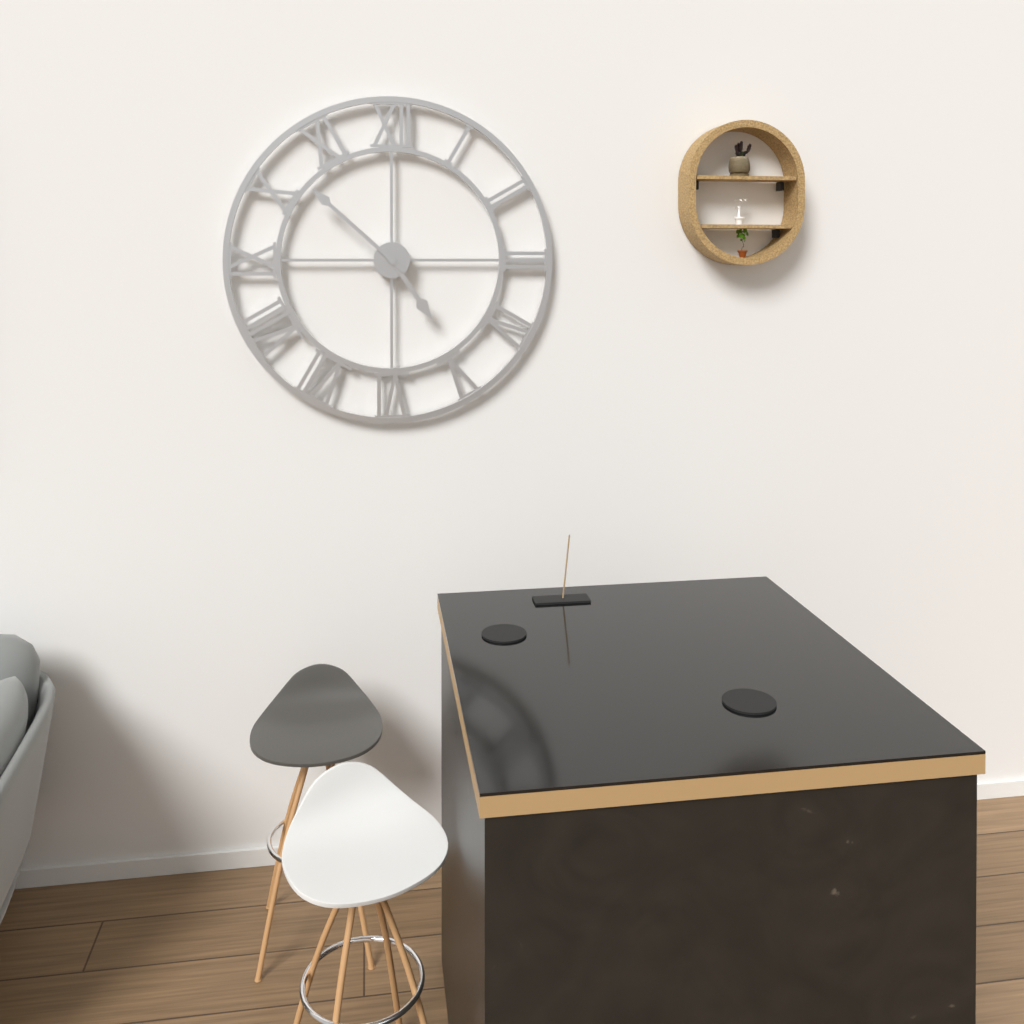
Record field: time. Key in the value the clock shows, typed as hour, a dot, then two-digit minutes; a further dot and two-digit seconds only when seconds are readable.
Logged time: 4.52
